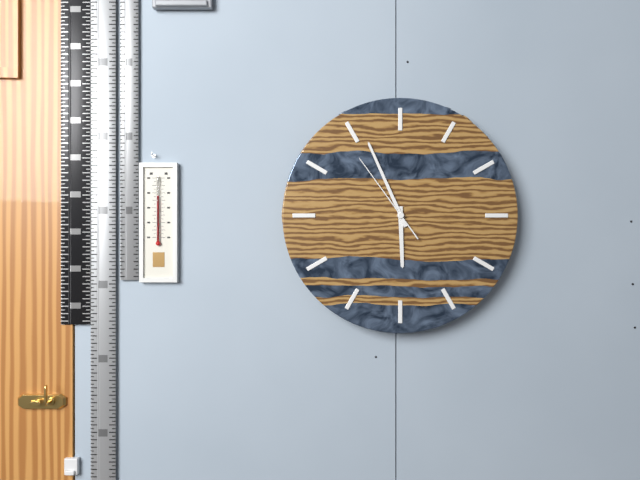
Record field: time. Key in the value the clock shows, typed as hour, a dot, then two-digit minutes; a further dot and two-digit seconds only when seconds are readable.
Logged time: 5.56.54
